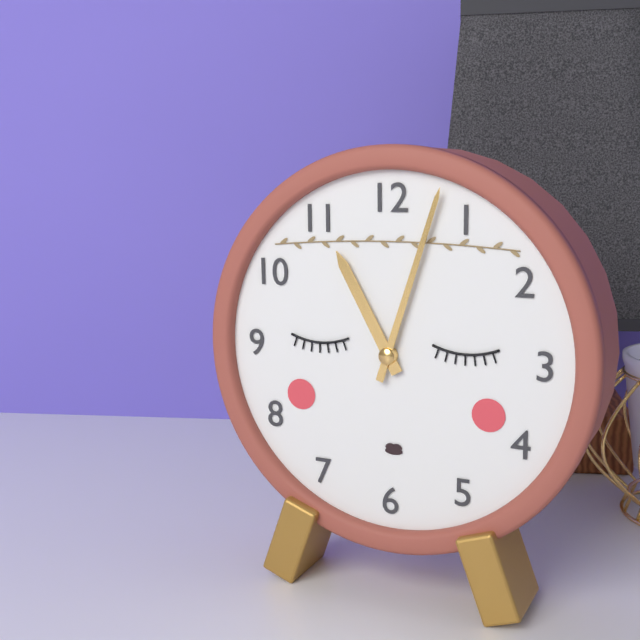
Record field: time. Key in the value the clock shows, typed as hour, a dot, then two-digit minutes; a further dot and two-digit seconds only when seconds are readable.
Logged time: 11.03
